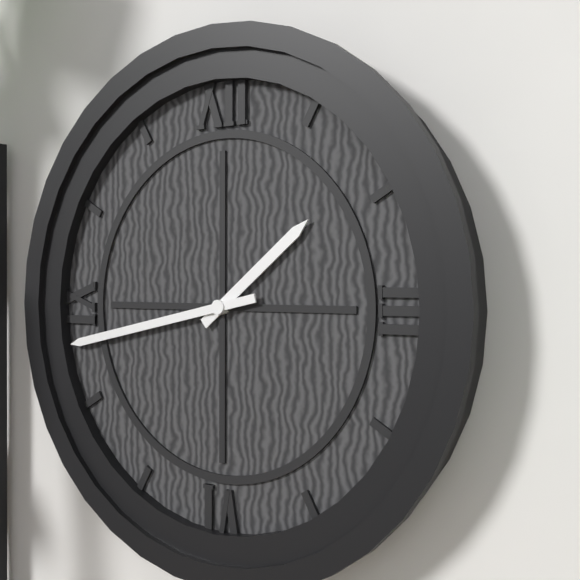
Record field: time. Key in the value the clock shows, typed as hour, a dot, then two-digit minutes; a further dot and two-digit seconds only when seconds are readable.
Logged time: 1.43
